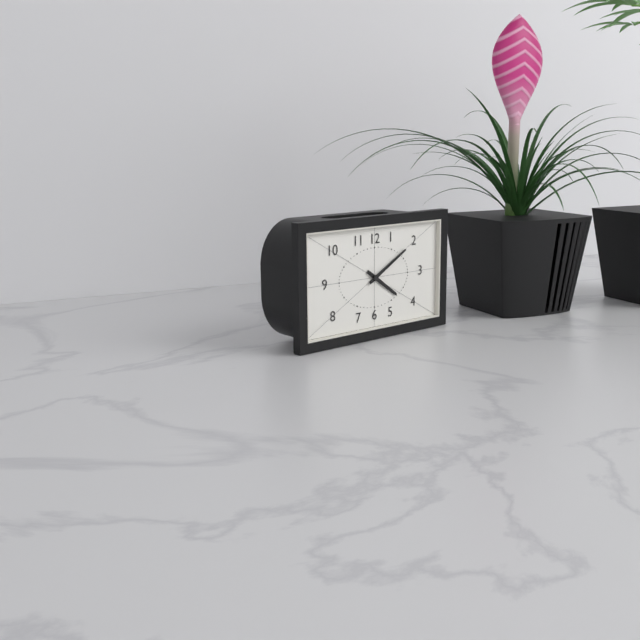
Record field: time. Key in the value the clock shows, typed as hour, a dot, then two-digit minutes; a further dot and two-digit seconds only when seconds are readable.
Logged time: 4.10
